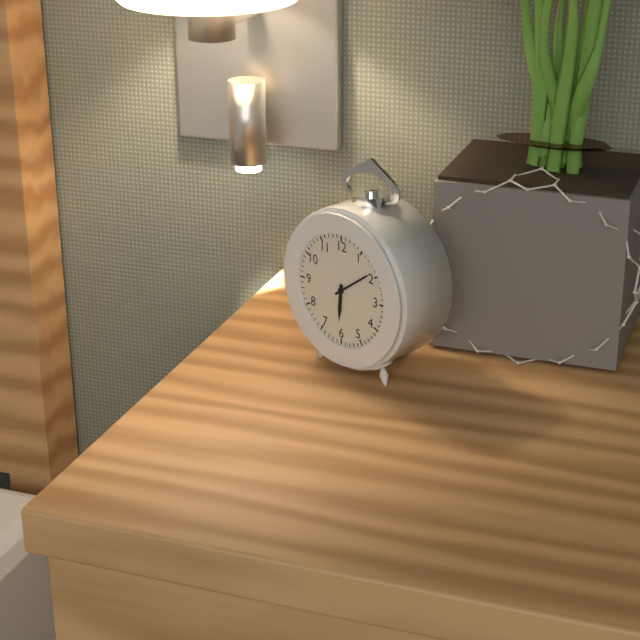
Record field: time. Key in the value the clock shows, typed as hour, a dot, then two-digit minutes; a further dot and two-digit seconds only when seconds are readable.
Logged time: 6.09
